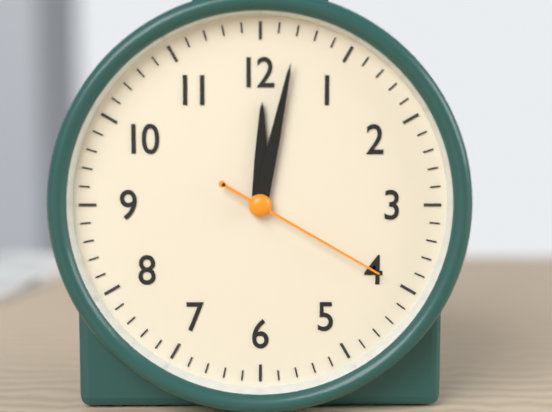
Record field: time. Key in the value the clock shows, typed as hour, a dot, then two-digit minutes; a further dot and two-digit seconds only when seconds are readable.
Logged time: 12.02.20
